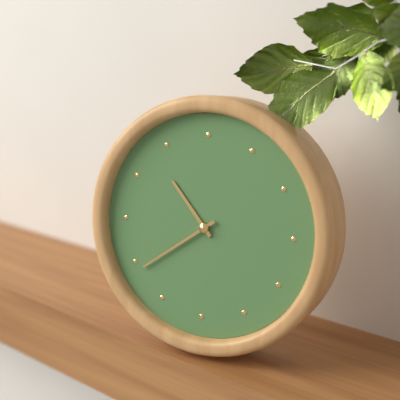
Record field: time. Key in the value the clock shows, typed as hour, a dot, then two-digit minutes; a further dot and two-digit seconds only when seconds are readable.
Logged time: 10.39
